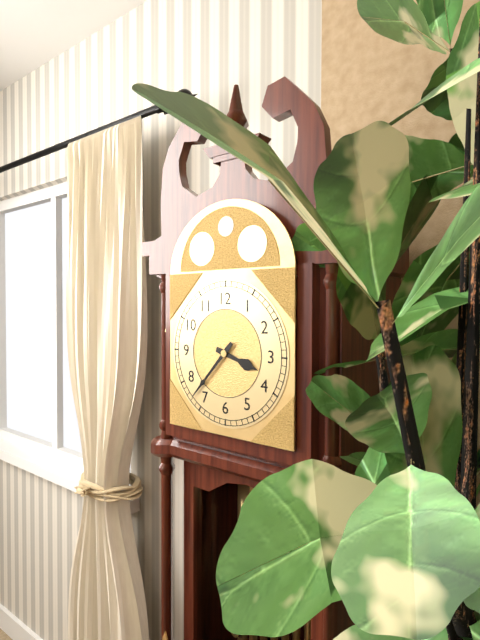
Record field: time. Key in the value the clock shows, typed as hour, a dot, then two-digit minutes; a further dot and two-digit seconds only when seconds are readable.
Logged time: 3.37
